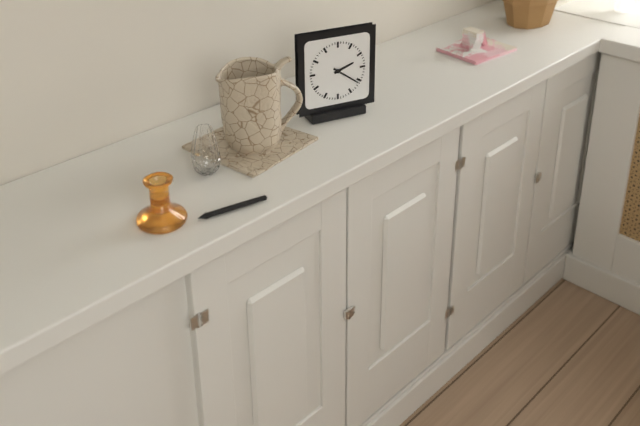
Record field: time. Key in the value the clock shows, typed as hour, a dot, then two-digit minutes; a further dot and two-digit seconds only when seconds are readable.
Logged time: 2.21
